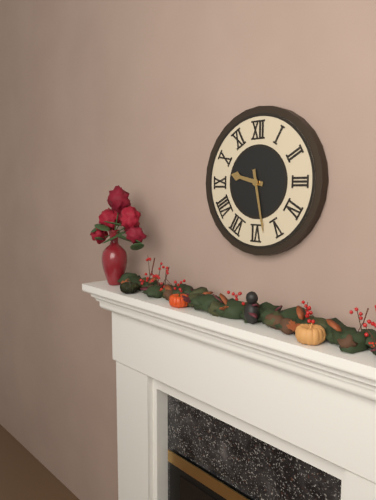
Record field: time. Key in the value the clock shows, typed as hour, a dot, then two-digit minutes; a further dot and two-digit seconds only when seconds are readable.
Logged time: 9.28
